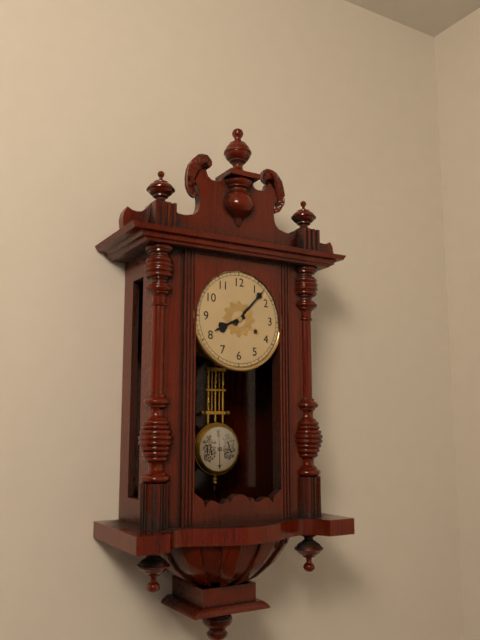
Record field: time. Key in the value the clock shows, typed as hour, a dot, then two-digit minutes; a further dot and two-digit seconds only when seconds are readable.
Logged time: 8.07
